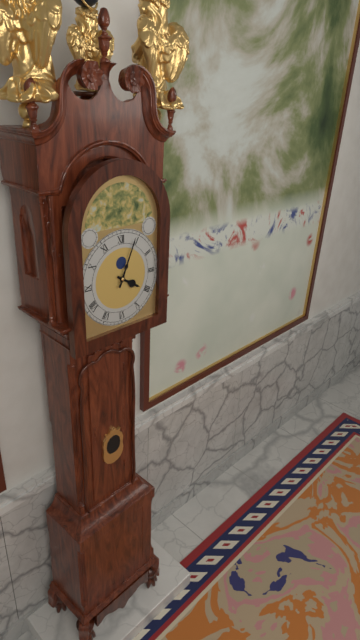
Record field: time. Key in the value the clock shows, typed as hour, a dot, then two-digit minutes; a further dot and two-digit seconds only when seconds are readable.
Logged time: 4.04
